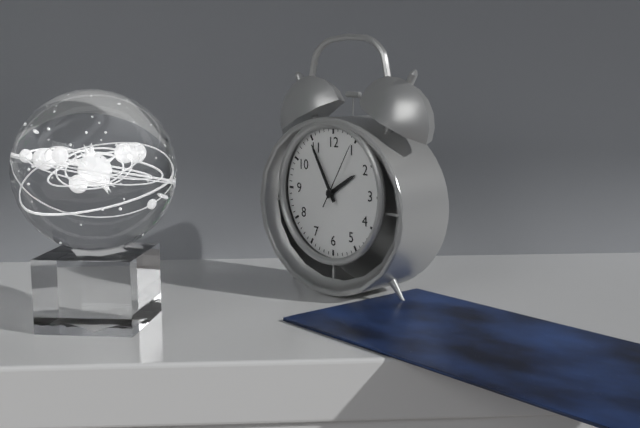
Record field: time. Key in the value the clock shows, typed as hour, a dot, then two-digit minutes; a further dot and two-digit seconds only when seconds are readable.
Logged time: 1.55.05
